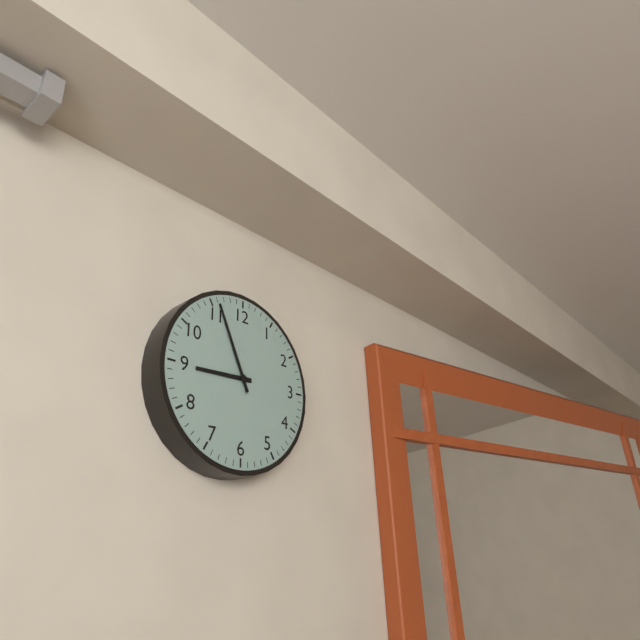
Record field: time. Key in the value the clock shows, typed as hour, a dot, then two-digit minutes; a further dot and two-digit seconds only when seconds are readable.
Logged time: 8.56
